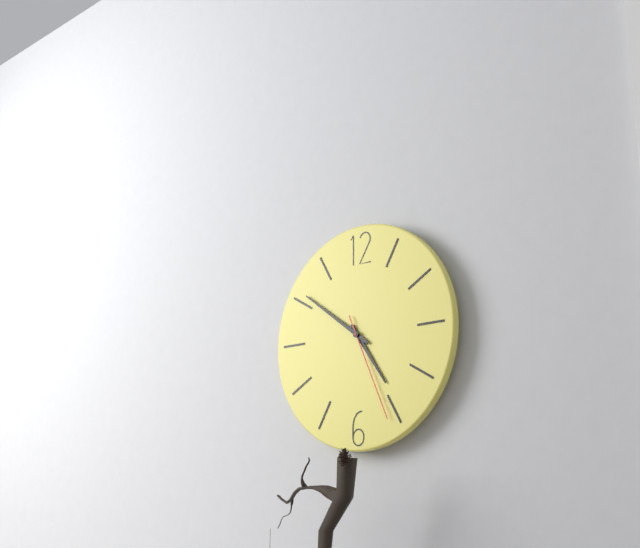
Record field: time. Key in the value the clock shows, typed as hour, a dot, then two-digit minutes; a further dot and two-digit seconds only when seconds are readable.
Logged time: 4.51.26
